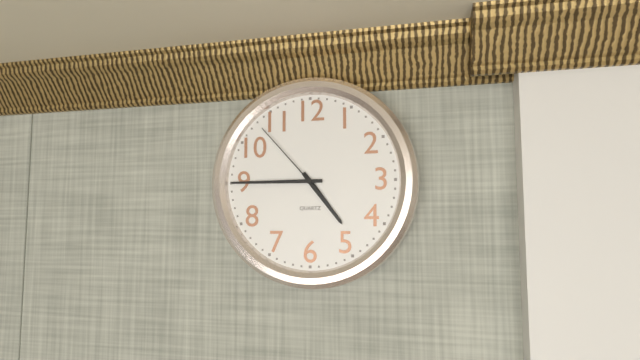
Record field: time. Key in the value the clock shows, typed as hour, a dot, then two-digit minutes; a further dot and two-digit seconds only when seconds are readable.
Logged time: 4.45.53
